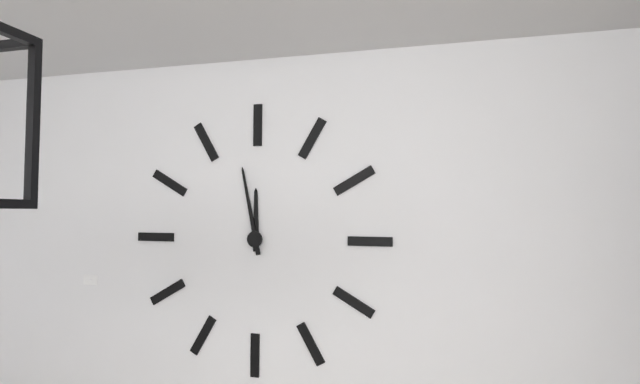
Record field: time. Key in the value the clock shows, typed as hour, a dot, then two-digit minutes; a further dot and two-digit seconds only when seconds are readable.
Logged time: 11.58
